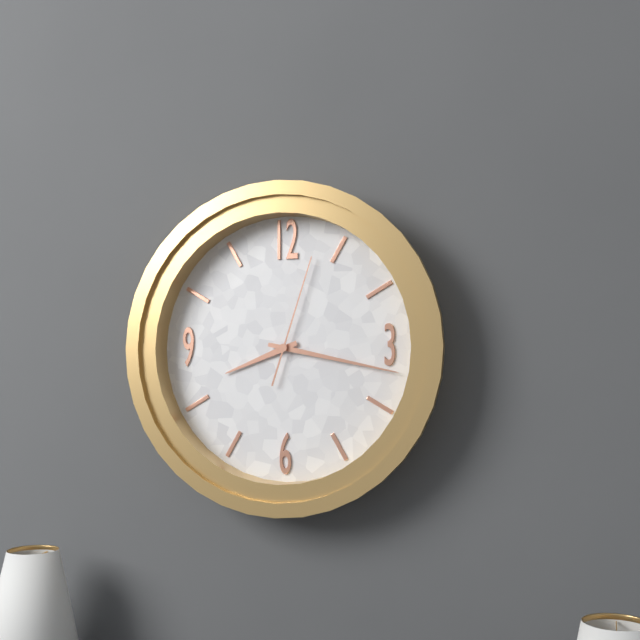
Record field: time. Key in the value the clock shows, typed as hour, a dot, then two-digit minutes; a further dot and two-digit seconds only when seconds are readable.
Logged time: 8.17.03
